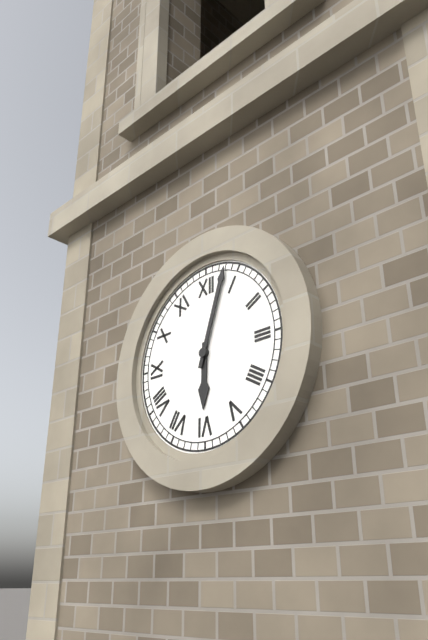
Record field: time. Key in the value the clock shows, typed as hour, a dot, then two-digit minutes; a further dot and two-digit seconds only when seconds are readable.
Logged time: 6.03
